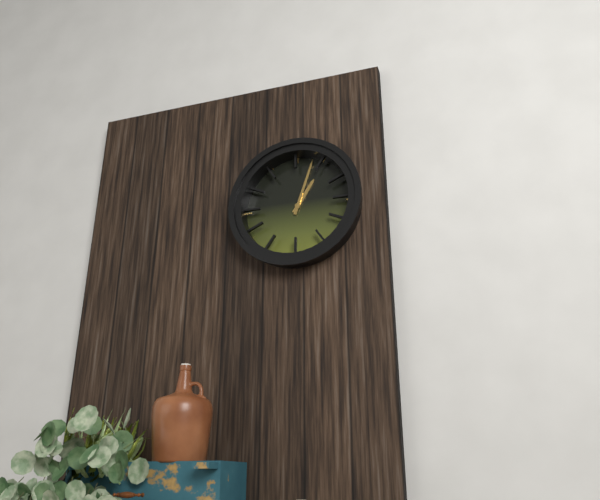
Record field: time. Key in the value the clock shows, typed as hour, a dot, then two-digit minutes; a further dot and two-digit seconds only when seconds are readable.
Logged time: 1.03
